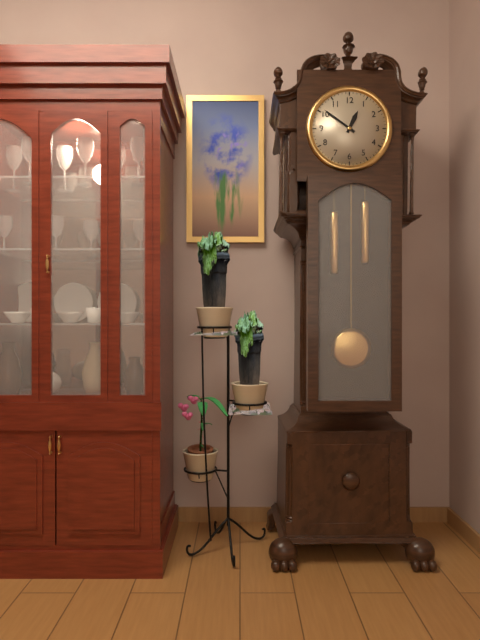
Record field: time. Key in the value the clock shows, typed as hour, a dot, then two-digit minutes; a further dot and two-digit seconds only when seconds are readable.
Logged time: 12.51
